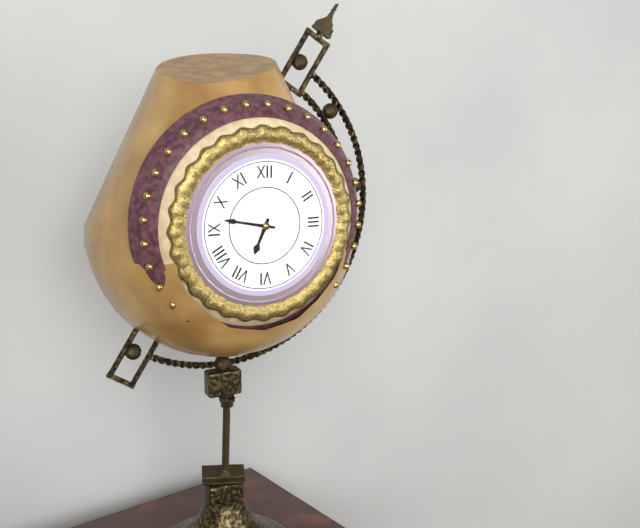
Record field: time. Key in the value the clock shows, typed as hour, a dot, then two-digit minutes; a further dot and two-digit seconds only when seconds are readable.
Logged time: 6.47
